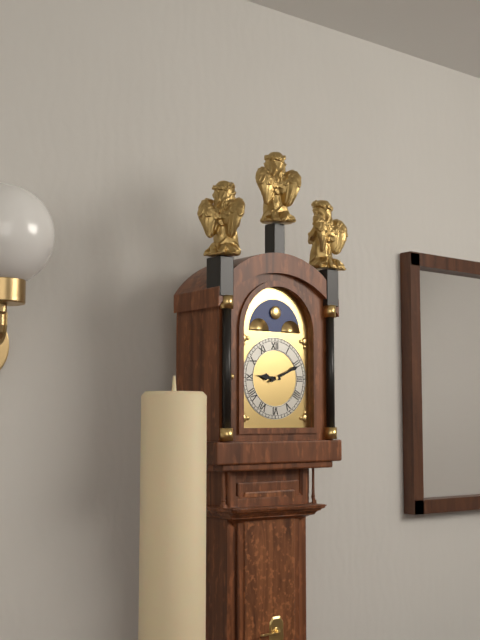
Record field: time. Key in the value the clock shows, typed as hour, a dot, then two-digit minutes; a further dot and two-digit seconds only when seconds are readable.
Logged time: 9.11
